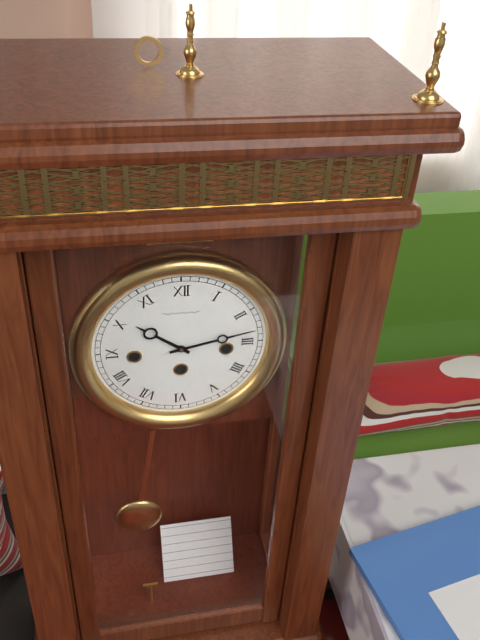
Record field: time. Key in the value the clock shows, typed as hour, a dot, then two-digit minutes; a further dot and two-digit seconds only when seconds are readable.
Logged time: 10.13
